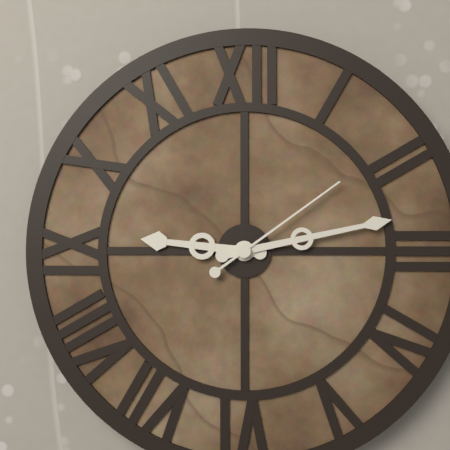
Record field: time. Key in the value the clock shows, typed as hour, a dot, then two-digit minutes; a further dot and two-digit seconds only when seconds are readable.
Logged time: 9.13.09
